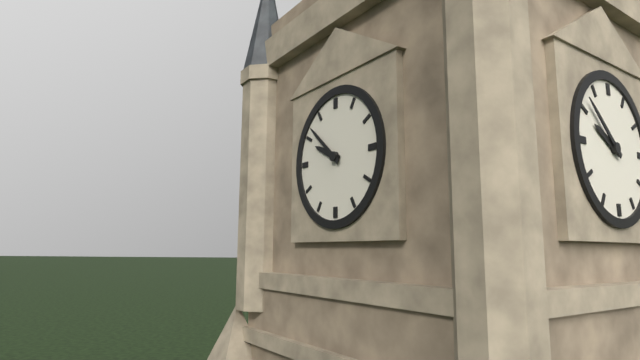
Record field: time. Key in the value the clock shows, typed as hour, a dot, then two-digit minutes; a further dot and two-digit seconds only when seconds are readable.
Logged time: 9.52
